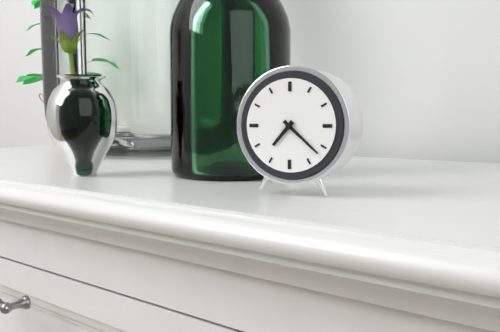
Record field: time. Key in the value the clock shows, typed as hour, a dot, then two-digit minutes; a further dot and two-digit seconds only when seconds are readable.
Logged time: 7.22
